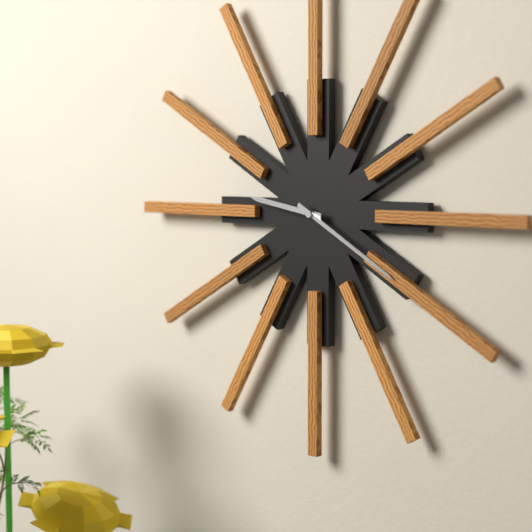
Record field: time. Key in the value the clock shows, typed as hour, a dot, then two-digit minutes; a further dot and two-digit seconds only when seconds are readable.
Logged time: 9.20
